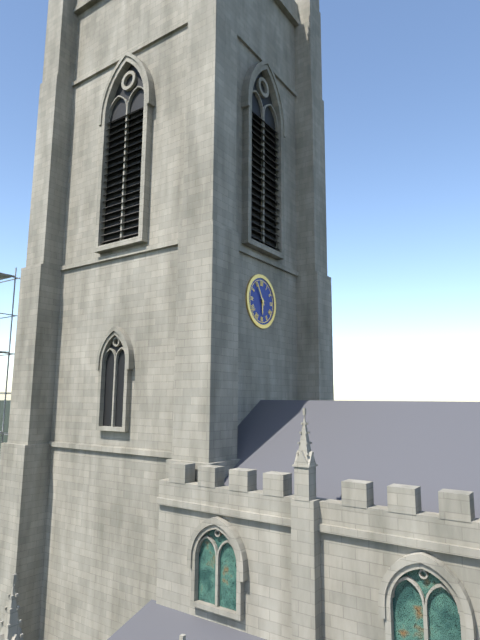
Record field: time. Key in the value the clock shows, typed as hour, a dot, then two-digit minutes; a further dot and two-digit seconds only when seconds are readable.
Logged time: 5.55
